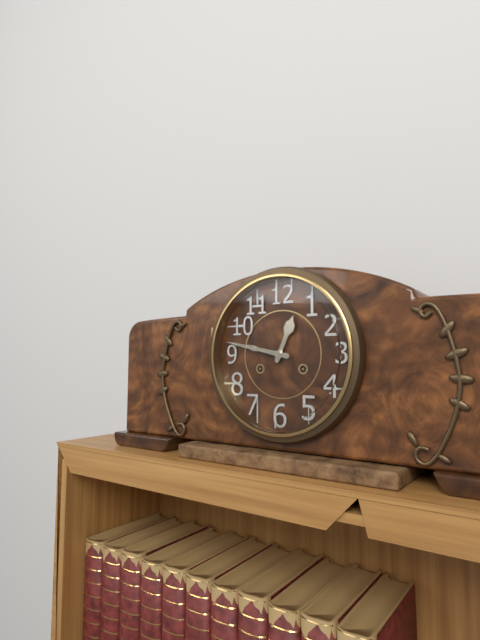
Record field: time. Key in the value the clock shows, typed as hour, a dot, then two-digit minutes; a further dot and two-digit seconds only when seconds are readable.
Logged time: 12.47
